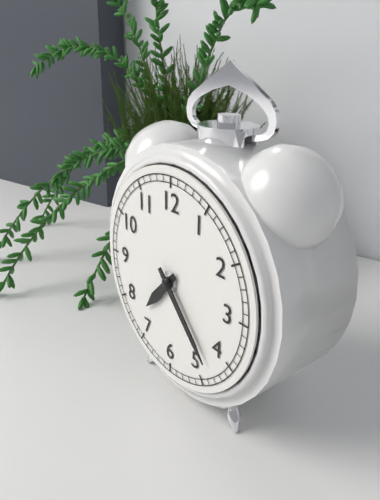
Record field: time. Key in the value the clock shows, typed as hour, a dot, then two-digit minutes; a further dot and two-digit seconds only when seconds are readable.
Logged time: 7.23
